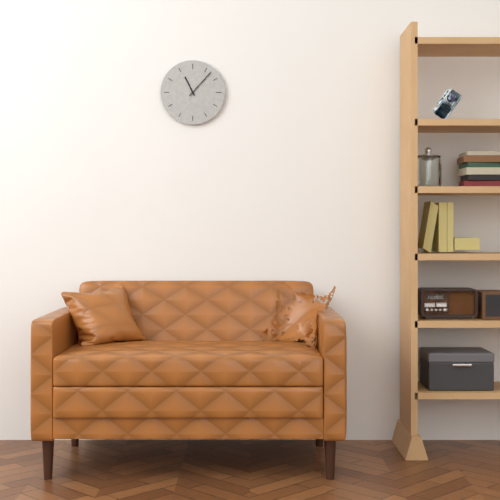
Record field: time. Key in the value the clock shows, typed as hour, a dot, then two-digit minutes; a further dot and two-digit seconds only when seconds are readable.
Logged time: 11.07
